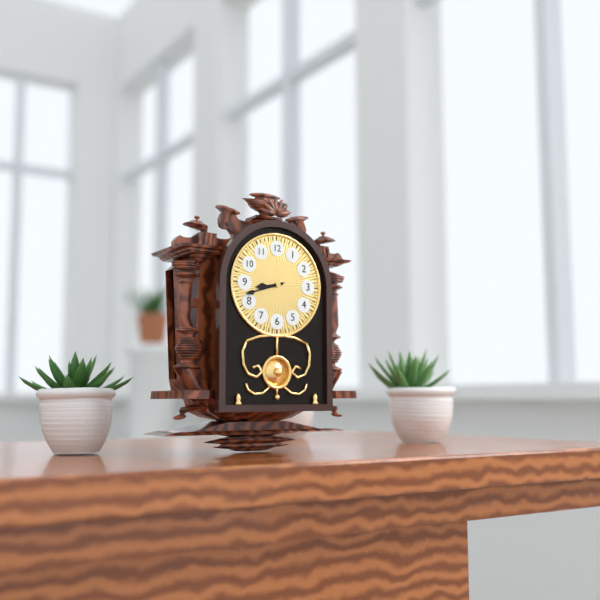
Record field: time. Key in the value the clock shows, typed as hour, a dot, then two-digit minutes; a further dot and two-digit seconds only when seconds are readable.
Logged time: 8.42
